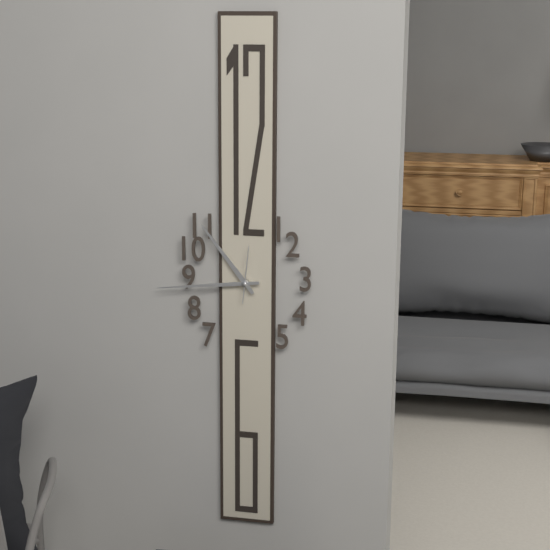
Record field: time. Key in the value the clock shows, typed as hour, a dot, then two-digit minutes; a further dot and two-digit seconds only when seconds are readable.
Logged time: 10.44
